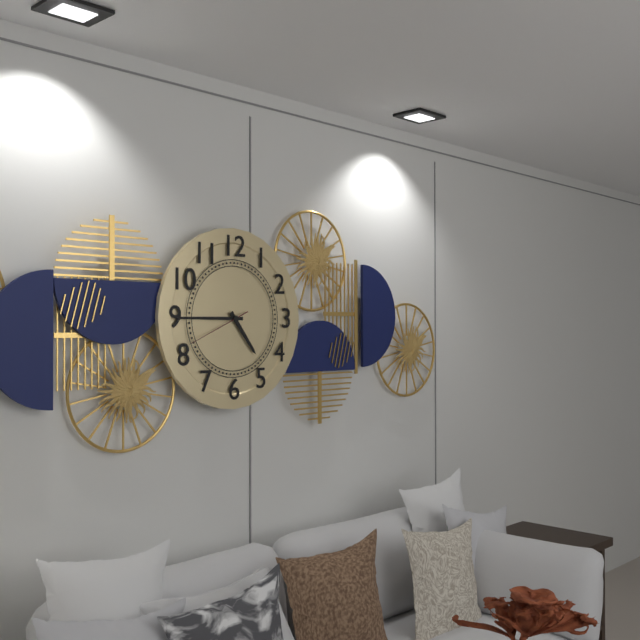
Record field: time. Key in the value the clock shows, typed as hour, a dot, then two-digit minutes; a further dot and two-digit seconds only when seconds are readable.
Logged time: 4.45.41
